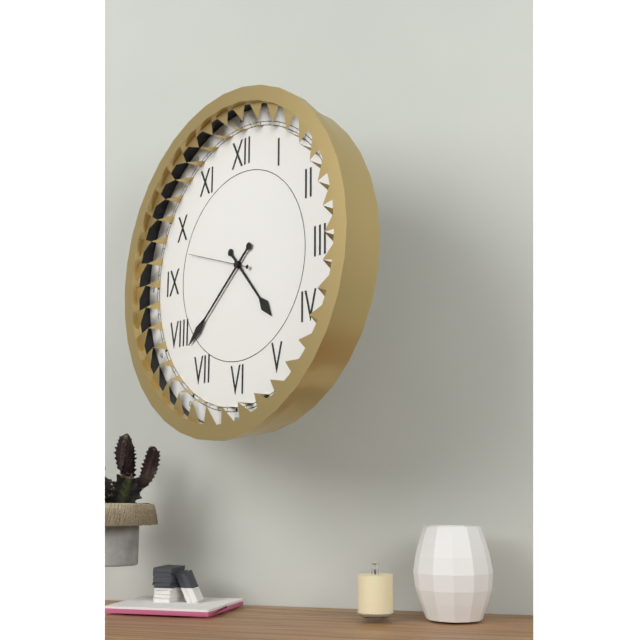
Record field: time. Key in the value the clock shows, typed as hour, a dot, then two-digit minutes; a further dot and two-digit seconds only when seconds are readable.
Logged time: 4.38.48
